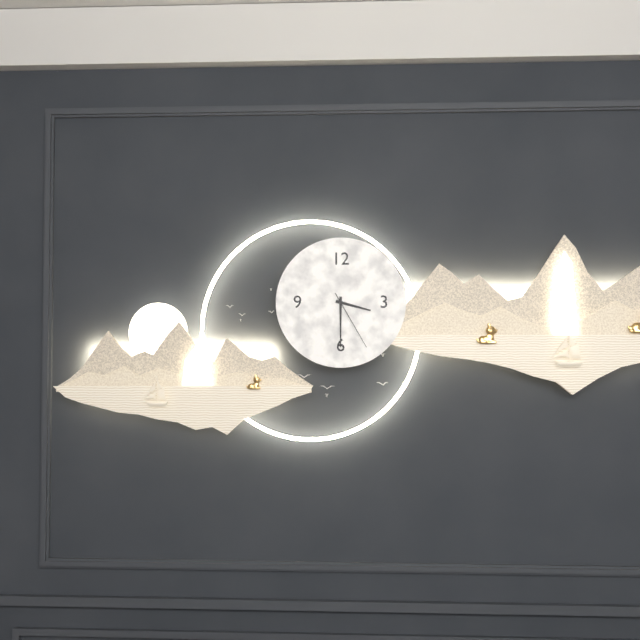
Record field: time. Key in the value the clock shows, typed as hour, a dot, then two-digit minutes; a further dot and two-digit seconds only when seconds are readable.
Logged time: 3.30.25
